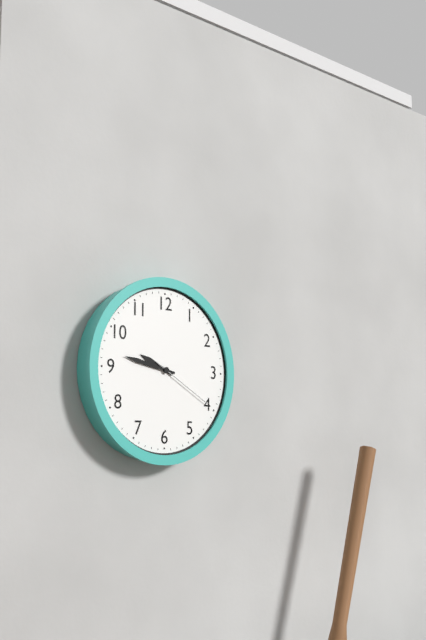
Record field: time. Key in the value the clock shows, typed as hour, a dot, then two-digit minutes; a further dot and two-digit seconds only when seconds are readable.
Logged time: 9.47.20
